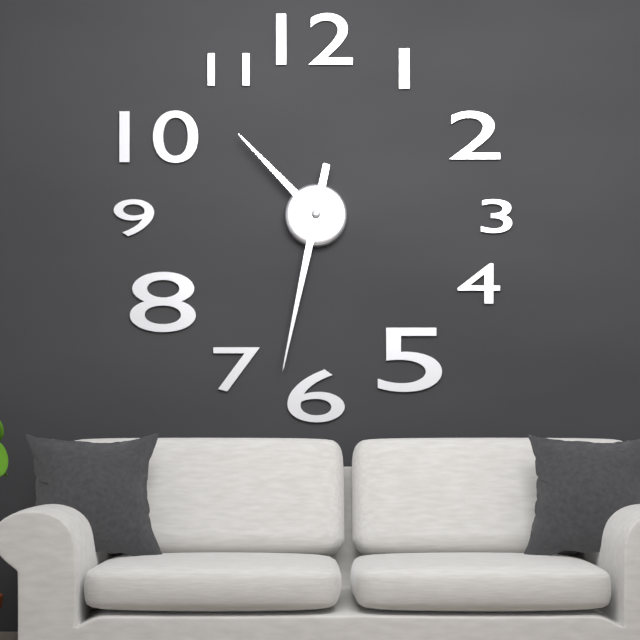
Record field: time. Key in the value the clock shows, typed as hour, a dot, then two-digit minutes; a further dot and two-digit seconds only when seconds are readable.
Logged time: 10.32
